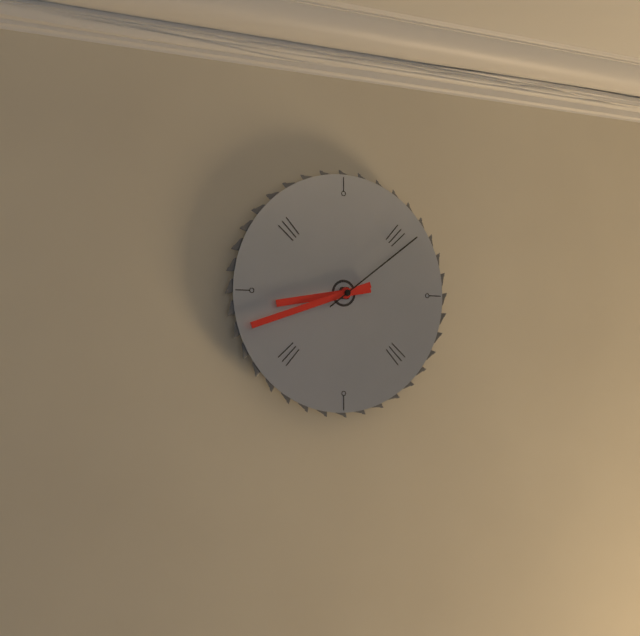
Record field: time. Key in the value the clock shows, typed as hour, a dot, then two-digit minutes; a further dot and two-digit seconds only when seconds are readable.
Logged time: 8.42.09
